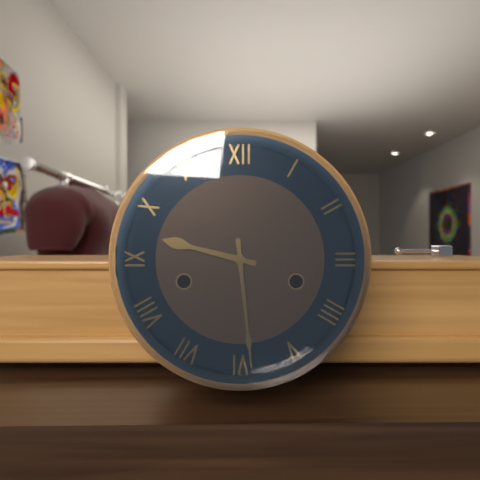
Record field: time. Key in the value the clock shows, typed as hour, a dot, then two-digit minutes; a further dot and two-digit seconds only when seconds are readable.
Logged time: 9.29
